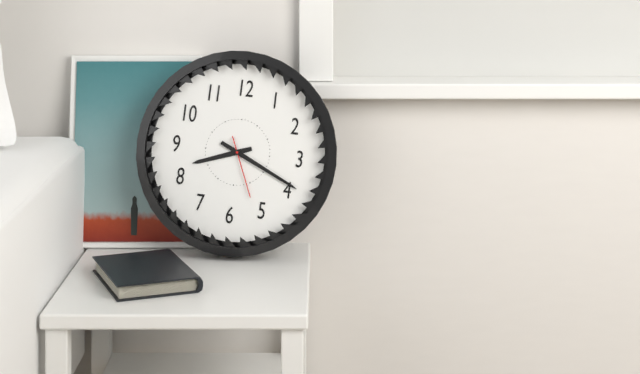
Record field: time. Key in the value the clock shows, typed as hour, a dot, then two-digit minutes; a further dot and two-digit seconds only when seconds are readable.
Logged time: 8.19.26
